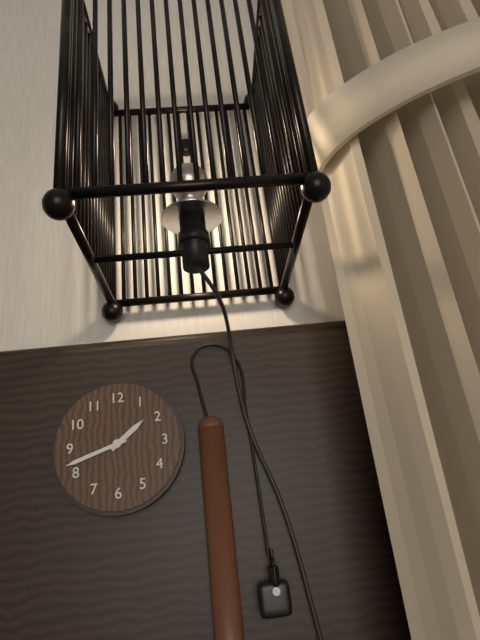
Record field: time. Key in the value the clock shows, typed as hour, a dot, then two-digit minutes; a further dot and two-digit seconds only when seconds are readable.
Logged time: 1.42
